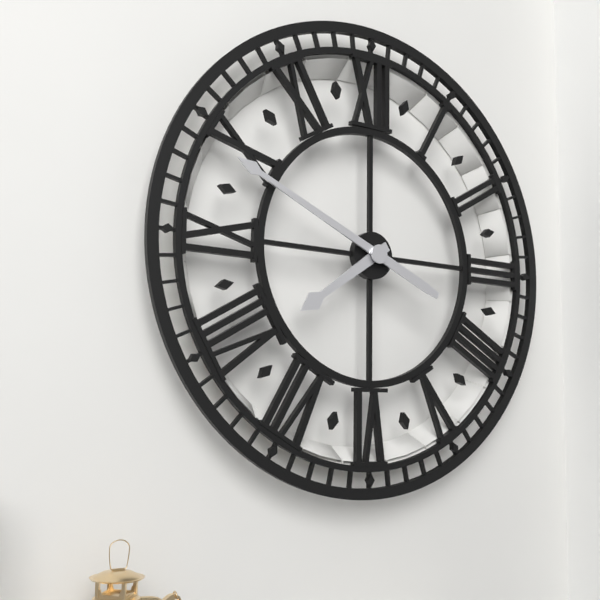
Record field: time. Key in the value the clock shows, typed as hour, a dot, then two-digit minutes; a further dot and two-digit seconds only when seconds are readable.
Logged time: 7.49
